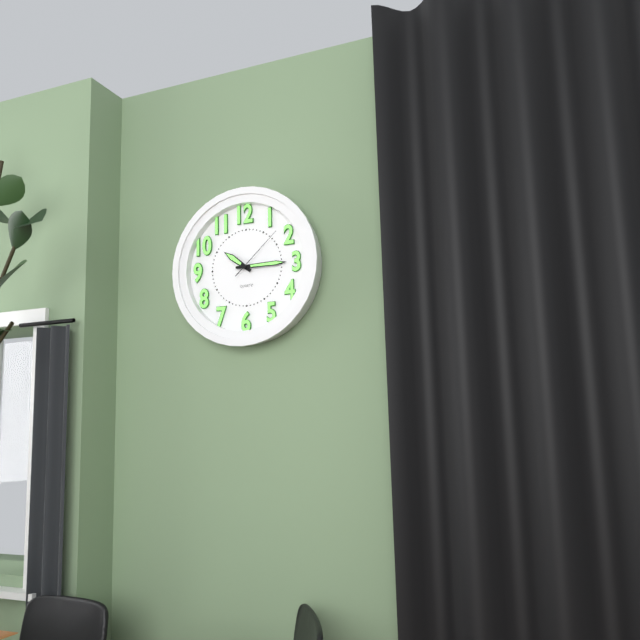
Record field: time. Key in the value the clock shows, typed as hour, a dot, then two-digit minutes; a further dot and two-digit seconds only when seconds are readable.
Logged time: 10.15.08
